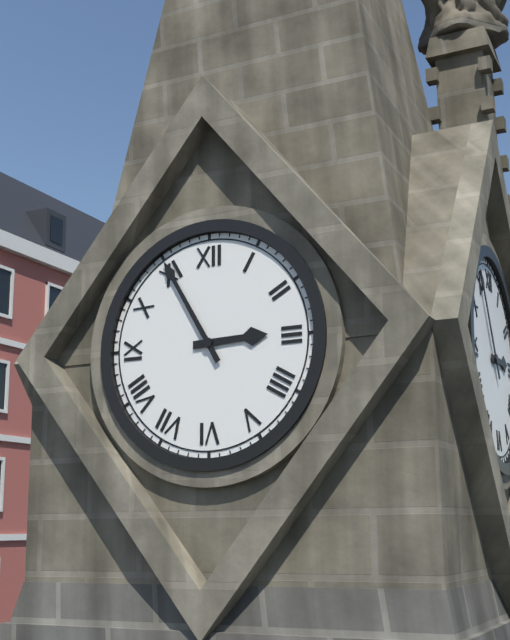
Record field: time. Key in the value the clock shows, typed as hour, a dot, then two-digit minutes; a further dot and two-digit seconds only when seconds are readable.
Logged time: 2.55
